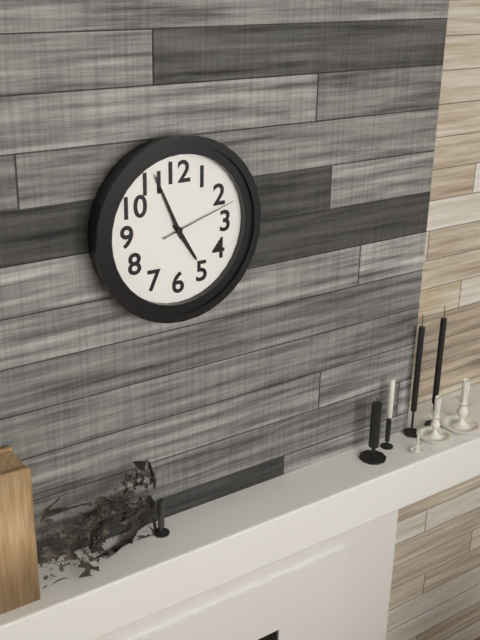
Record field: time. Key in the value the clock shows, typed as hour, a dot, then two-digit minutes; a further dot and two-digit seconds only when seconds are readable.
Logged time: 4.56.12
